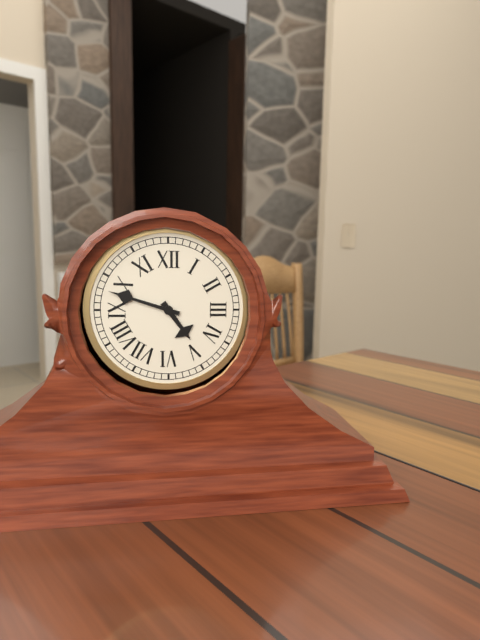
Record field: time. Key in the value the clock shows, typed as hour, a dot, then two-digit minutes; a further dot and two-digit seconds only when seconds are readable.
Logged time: 4.48
